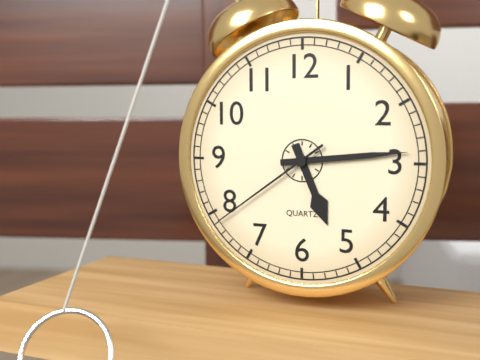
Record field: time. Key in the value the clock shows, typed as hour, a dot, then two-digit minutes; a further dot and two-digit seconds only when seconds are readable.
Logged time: 5.14.39
